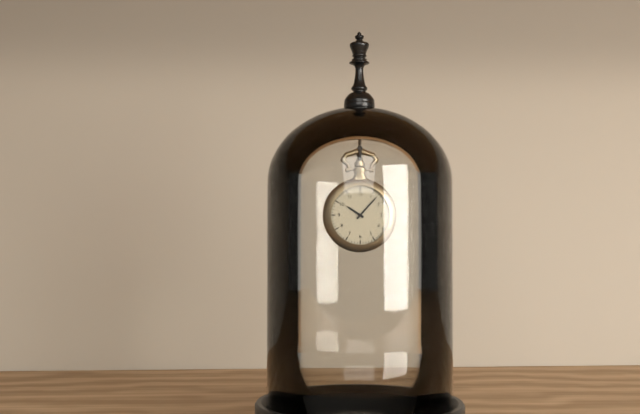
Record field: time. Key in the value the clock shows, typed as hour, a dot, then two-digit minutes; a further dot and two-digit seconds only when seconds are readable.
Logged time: 10.07
